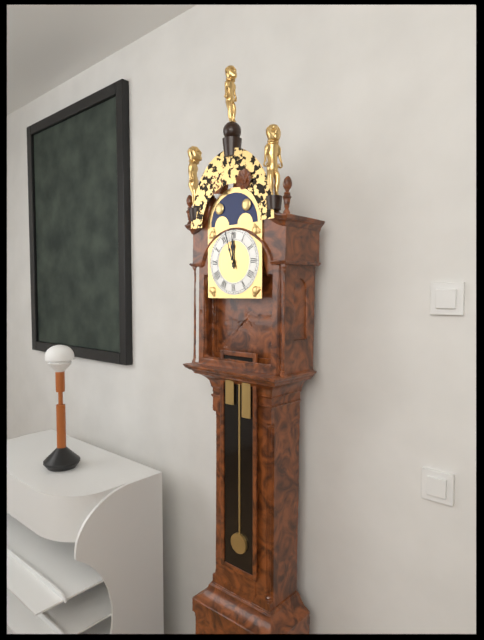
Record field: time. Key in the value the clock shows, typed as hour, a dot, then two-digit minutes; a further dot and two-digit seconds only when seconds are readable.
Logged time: 11.57
